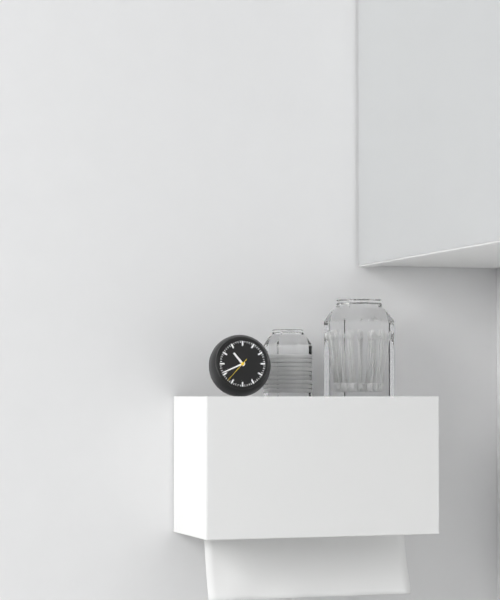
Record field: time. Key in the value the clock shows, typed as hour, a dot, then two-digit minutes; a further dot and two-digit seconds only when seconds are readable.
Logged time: 10.41
